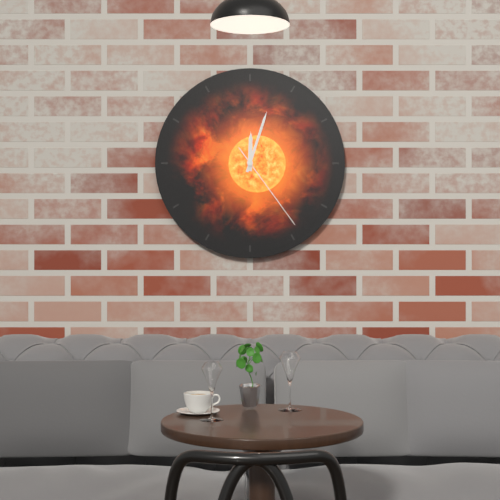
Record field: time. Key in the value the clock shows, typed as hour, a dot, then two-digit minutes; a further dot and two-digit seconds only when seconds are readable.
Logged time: 12.03.24
